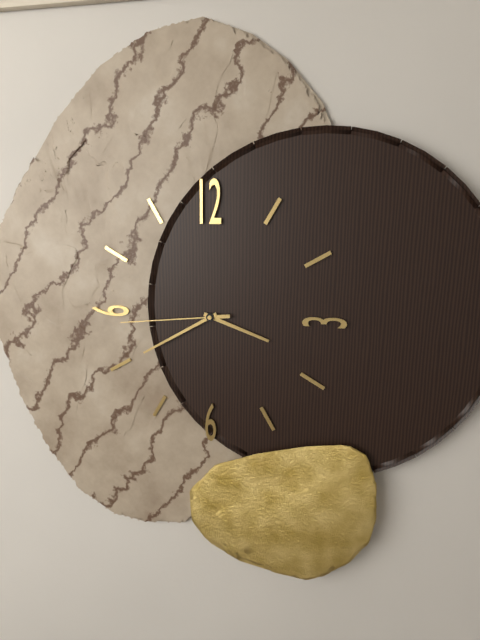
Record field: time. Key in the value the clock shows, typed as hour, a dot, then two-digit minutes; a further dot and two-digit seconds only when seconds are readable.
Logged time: 3.40.44
